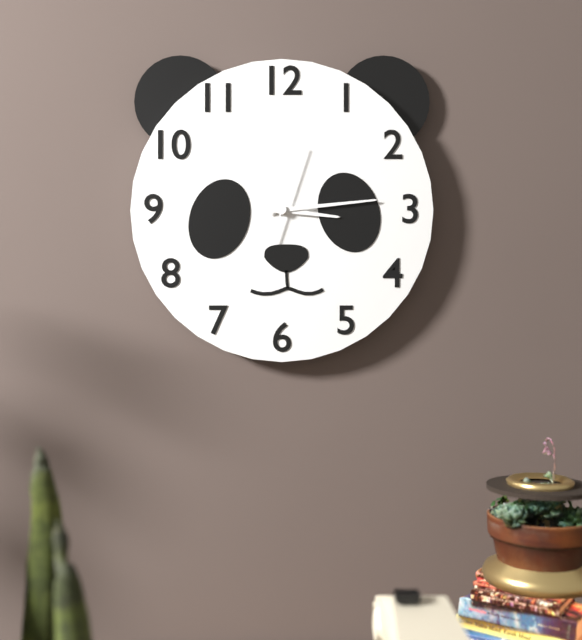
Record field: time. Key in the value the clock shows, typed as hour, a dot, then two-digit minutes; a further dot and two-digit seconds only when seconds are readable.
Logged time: 3.14.03
